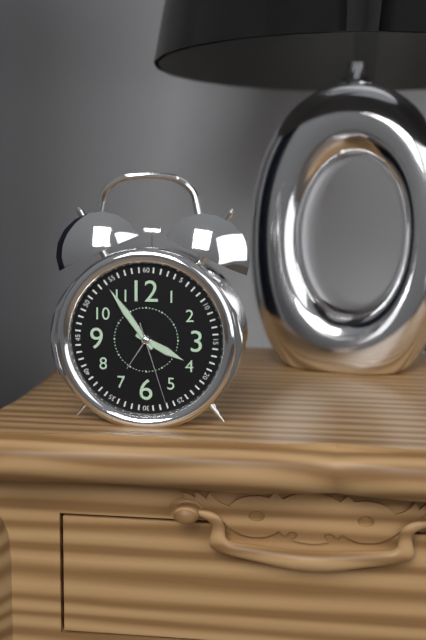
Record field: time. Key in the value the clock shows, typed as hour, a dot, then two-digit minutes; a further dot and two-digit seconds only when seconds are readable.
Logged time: 3.54.27
